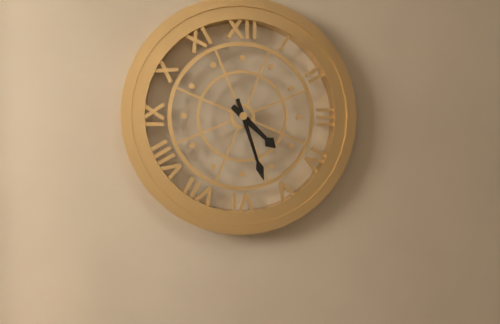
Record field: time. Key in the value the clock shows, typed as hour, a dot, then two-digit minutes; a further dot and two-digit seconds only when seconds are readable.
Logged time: 4.27
